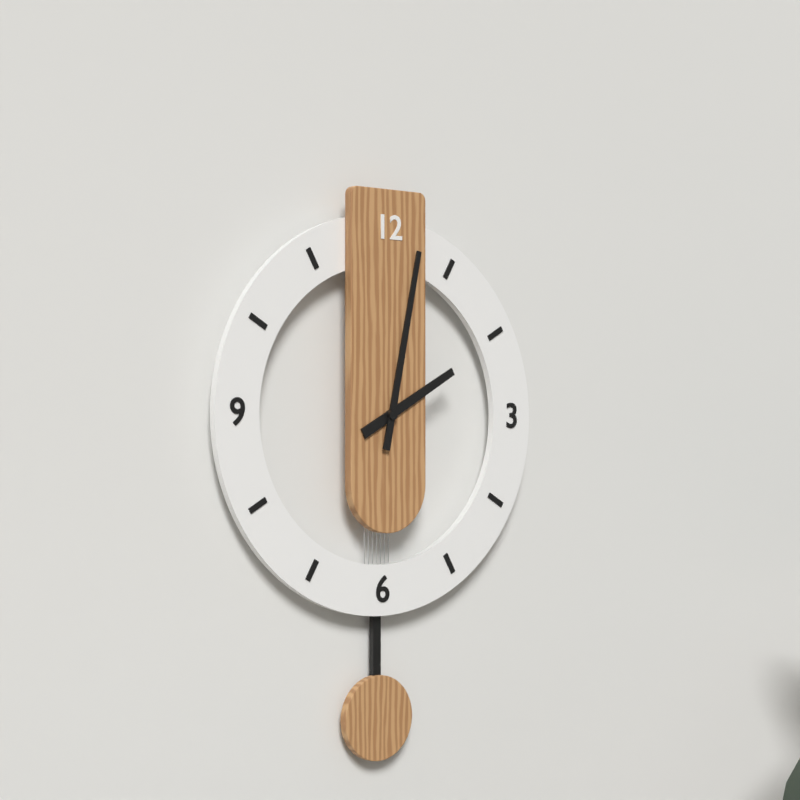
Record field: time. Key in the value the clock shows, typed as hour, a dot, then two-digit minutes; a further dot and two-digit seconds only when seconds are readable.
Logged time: 2.02
